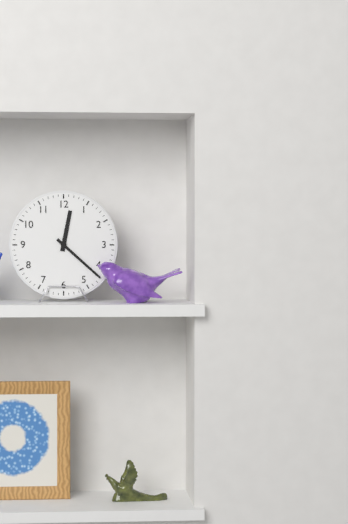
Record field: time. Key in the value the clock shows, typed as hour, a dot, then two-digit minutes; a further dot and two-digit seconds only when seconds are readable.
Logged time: 12.22
